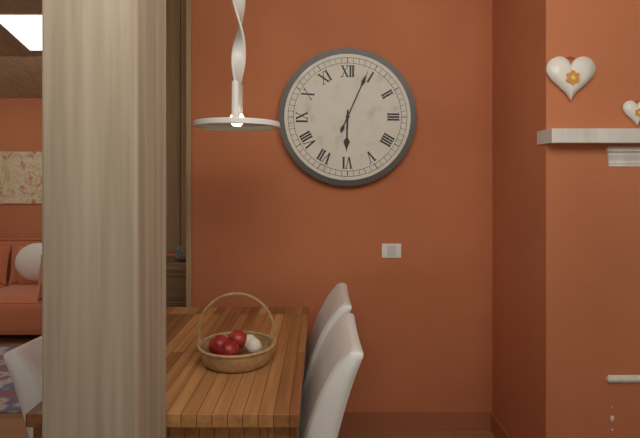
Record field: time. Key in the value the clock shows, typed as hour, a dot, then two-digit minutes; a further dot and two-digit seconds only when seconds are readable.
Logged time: 6.04
